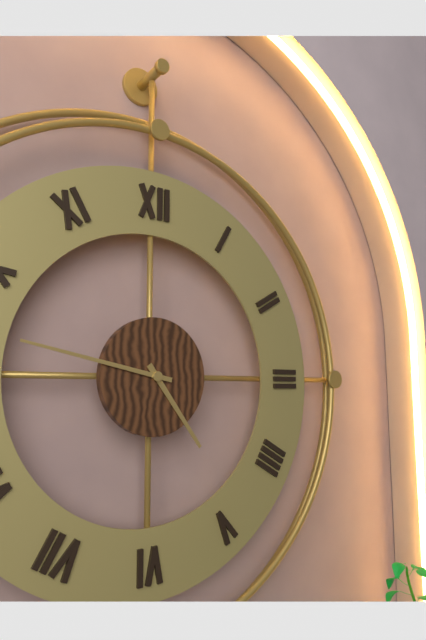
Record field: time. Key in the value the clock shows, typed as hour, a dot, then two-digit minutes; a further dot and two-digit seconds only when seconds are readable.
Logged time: 4.47
